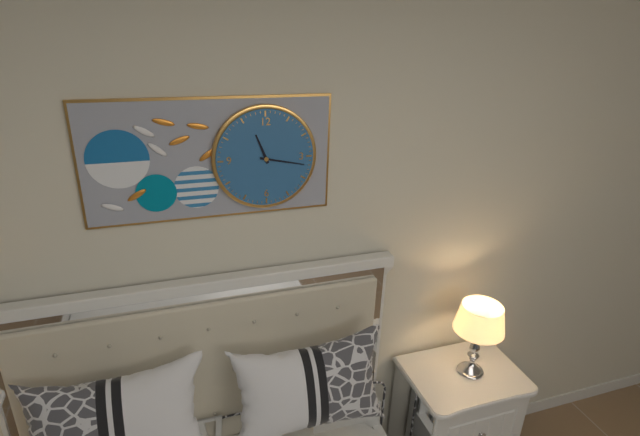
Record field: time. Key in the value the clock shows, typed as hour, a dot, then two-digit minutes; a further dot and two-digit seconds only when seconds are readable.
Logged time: 11.17
